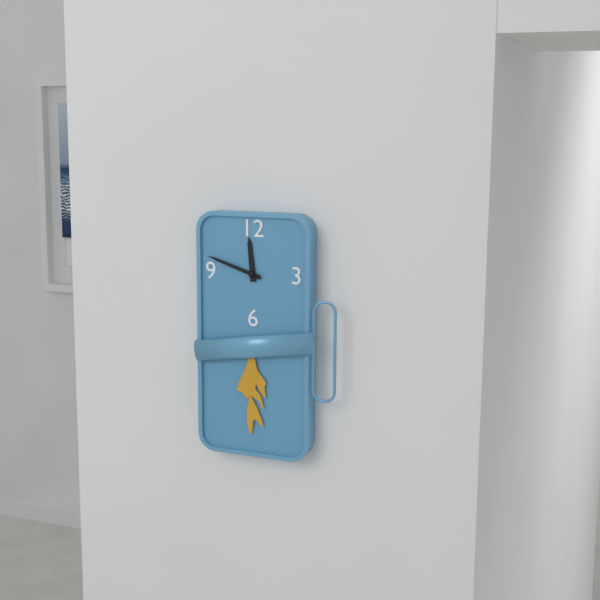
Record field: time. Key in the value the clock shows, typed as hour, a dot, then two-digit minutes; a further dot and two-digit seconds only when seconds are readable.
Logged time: 11.48
